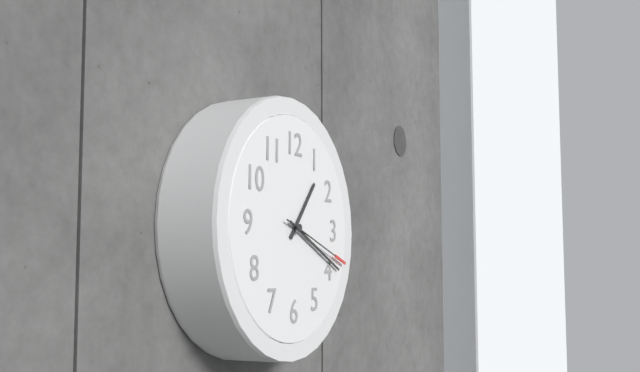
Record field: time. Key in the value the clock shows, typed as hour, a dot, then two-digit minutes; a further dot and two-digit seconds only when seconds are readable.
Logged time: 1.19.18
